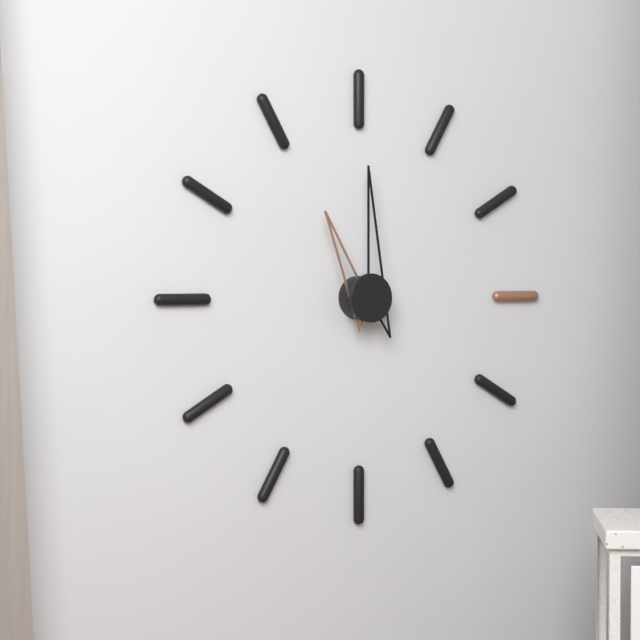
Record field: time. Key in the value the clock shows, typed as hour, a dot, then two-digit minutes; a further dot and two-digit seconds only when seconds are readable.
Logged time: 11.00
